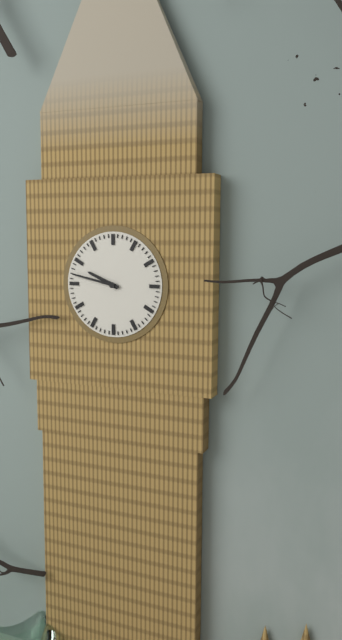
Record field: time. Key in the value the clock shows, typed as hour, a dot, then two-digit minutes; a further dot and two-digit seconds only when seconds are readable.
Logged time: 9.47
